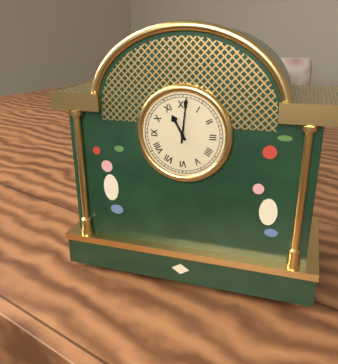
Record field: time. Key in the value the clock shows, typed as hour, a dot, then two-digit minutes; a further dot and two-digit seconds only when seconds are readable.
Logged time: 11.01
